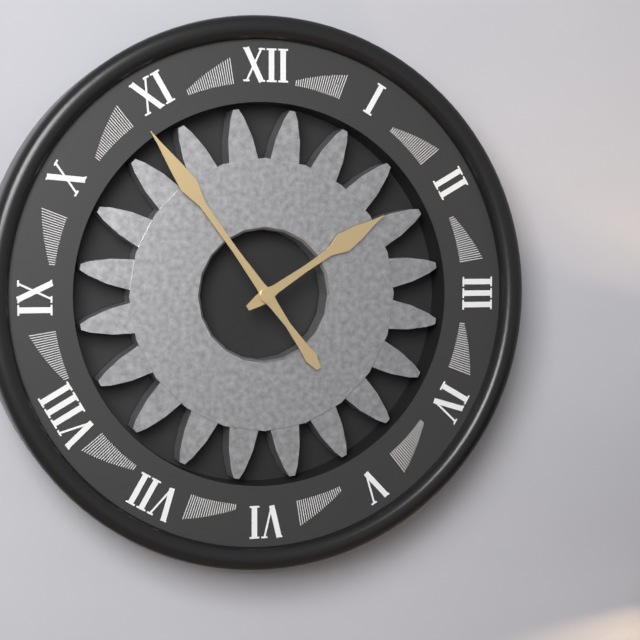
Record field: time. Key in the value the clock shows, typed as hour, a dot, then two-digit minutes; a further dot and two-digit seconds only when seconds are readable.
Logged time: 1.54
